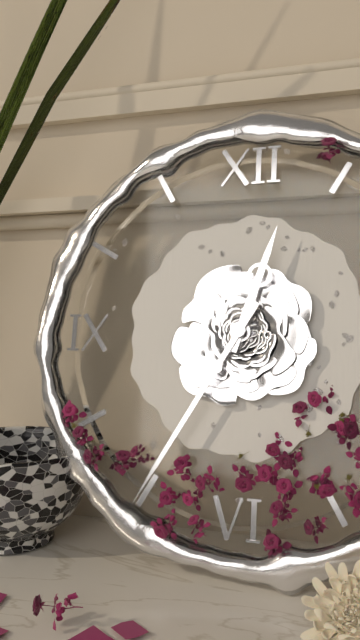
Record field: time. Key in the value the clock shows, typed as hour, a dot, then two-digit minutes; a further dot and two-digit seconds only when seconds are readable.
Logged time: 12.35
